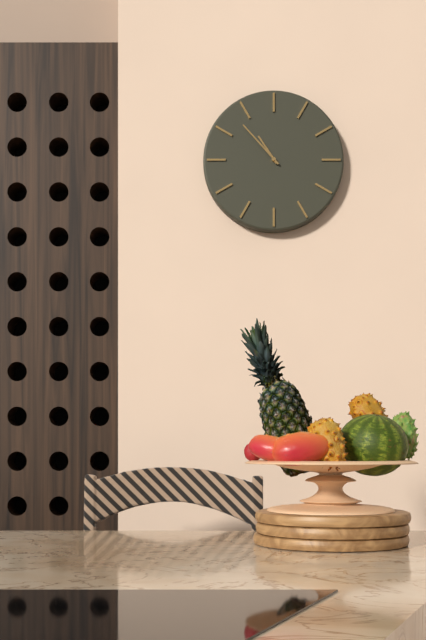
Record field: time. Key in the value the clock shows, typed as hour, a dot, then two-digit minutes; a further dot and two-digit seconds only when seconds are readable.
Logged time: 10.53
